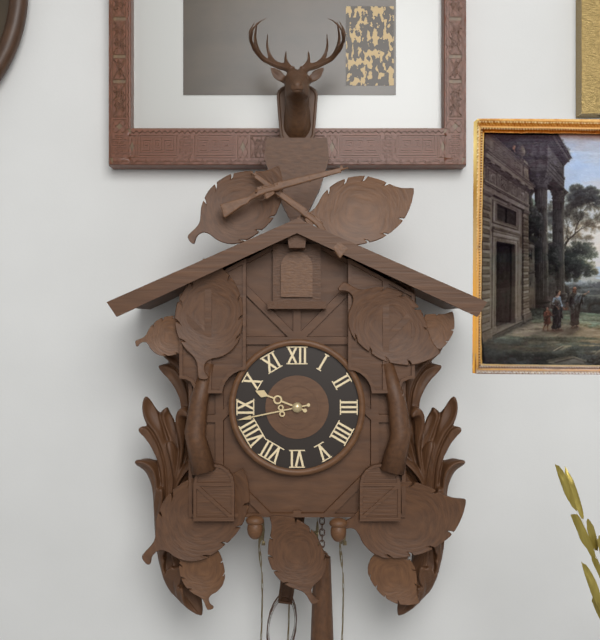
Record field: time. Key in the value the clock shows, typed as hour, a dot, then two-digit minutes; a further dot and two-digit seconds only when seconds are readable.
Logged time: 9.43
